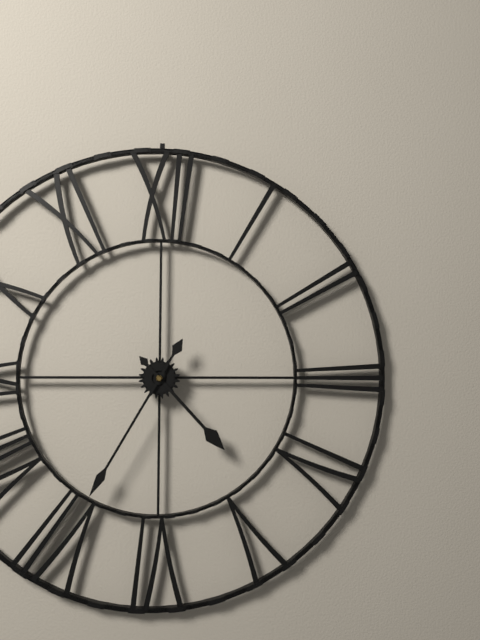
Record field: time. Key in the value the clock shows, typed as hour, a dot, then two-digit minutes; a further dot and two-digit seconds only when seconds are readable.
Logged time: 4.35
